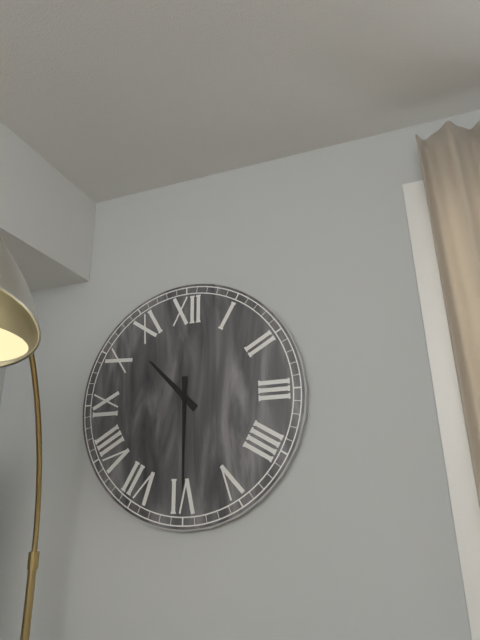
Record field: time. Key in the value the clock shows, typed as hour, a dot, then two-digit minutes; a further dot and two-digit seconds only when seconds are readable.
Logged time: 10.30
